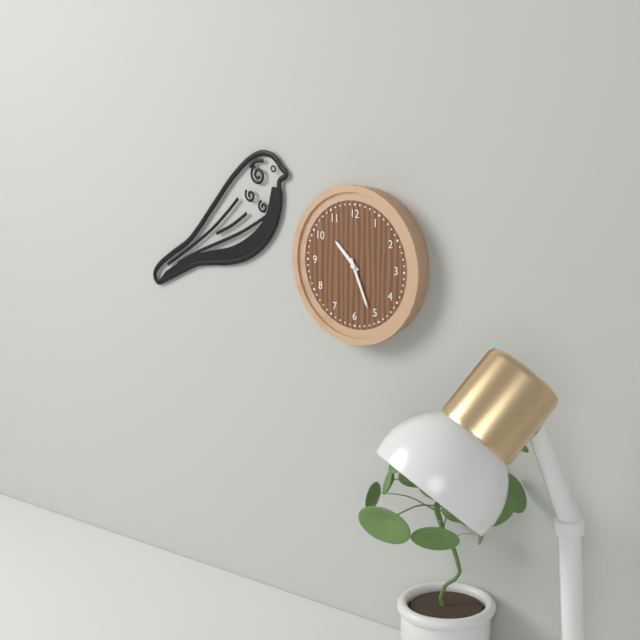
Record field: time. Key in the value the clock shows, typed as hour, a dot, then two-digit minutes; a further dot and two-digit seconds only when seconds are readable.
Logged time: 10.26
